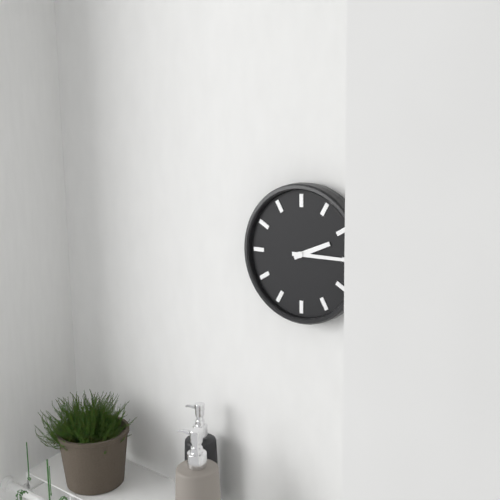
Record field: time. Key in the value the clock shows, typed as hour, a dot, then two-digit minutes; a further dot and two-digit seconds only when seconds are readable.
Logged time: 2.15
